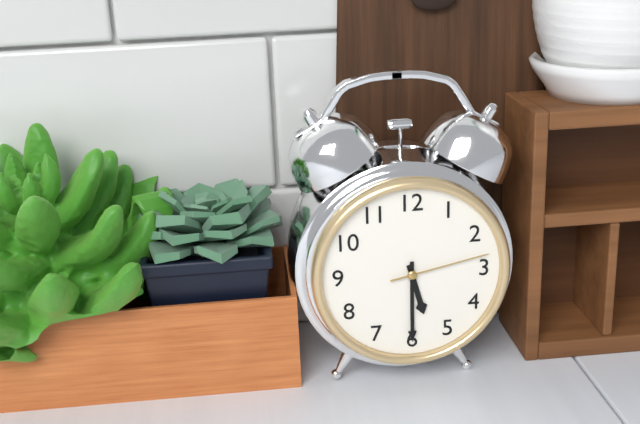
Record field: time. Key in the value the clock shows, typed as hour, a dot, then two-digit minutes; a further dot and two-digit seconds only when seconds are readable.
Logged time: 5.30.13
